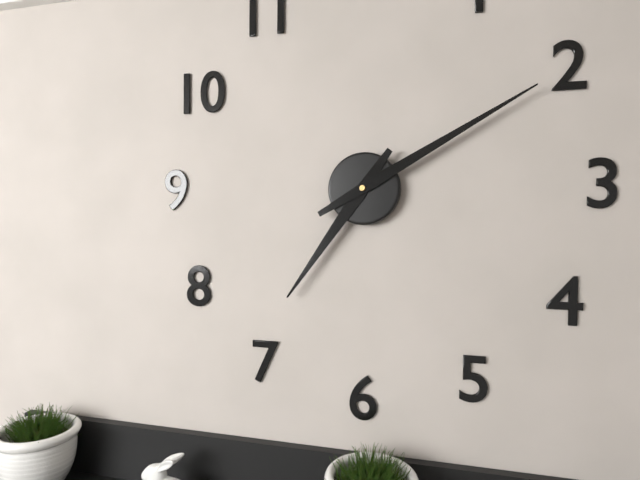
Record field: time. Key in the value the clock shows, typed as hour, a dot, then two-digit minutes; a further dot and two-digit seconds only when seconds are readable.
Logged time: 7.10
